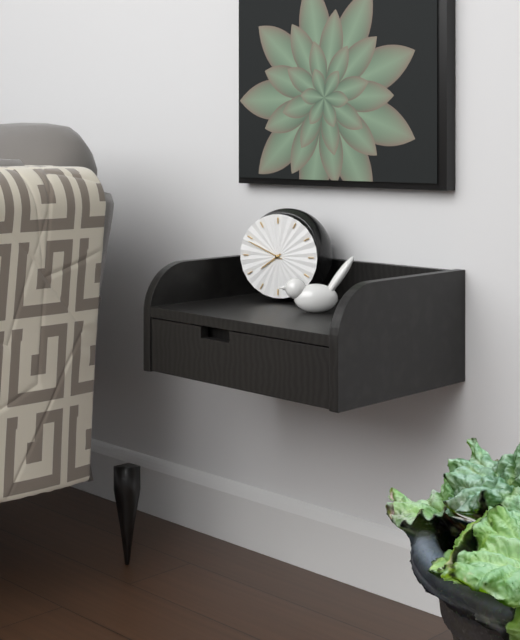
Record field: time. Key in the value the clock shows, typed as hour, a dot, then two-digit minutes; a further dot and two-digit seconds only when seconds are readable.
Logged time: 7.49
